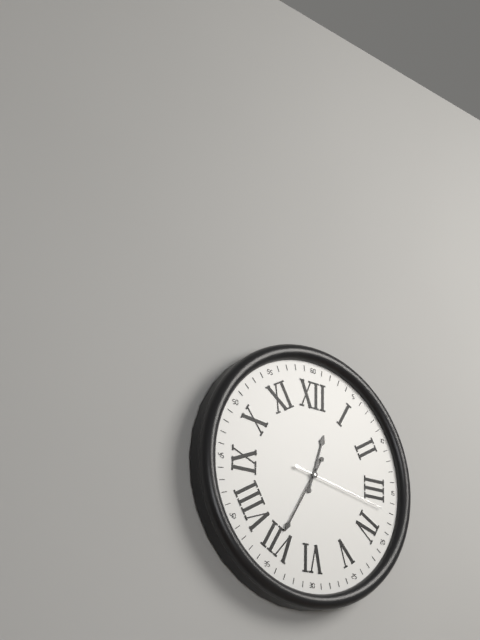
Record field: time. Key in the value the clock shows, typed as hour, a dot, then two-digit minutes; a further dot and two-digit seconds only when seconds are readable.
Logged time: 12.35.17
